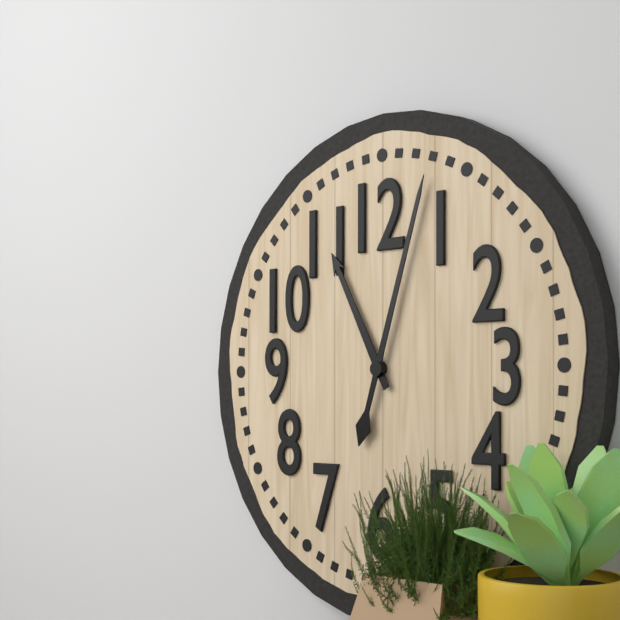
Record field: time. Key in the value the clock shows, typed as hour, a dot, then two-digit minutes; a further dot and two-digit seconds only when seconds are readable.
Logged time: 11.03
